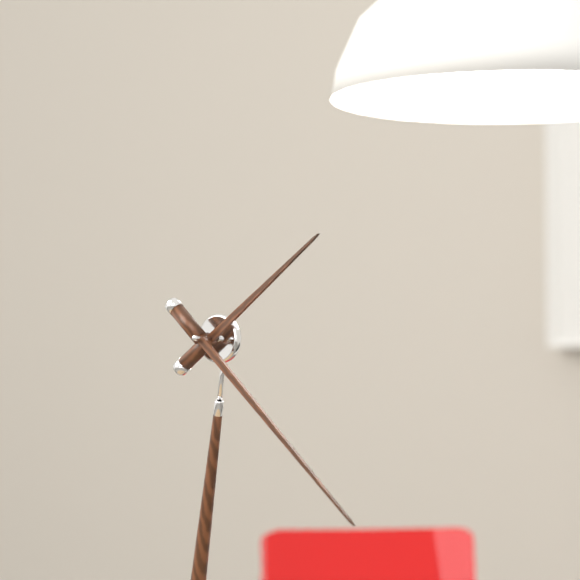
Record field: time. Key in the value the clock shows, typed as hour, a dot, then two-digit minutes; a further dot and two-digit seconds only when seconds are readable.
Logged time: 1.20
